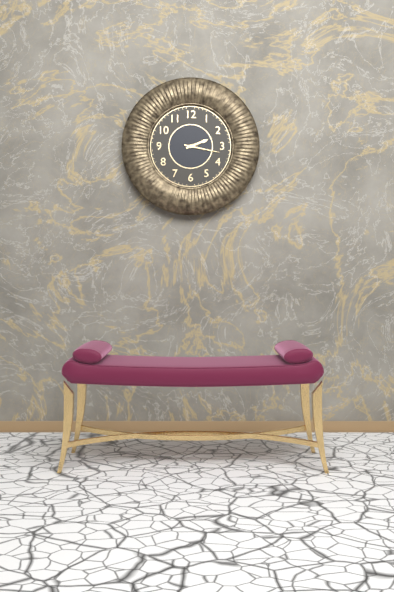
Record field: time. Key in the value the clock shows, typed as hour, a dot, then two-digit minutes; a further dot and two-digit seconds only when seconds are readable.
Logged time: 2.17
